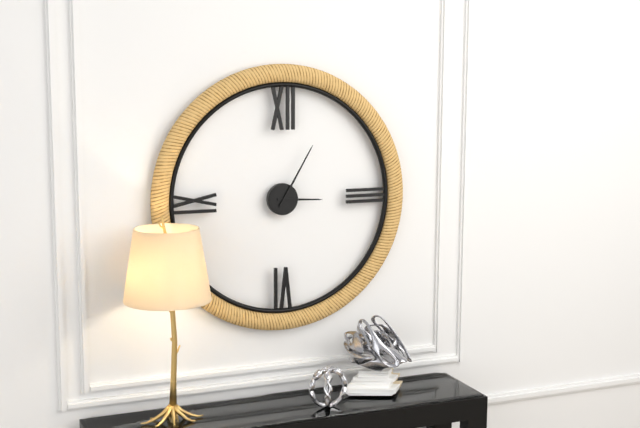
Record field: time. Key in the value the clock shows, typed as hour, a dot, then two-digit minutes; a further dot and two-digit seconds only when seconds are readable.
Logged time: 3.05
